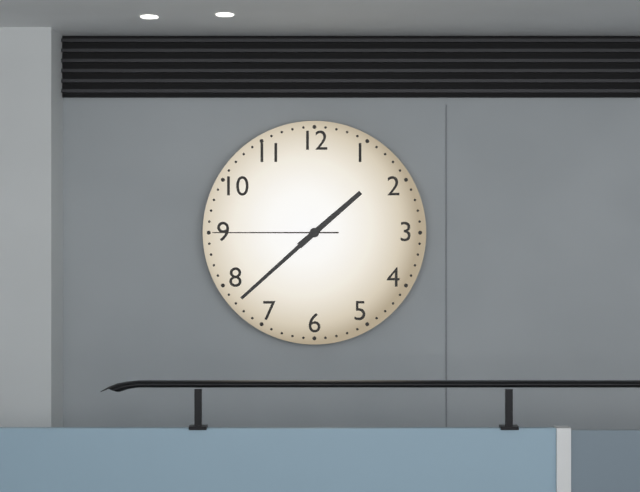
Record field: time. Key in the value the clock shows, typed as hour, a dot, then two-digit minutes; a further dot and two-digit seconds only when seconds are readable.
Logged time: 1.38.45
